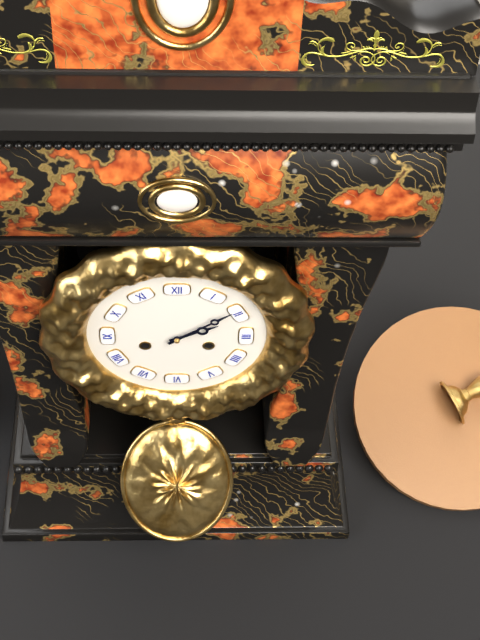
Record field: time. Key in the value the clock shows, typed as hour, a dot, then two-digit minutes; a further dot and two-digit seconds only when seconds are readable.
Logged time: 2.09
